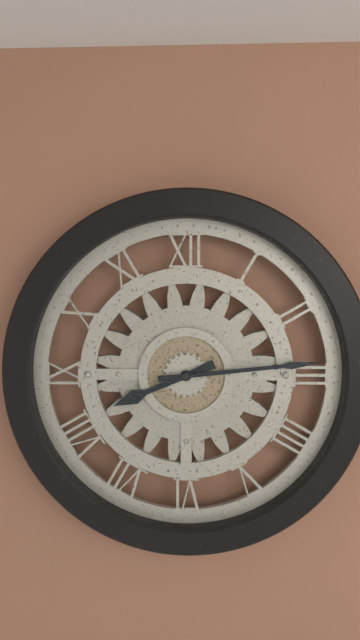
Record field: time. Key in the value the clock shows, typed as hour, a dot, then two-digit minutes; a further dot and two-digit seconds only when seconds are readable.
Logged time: 8.14
